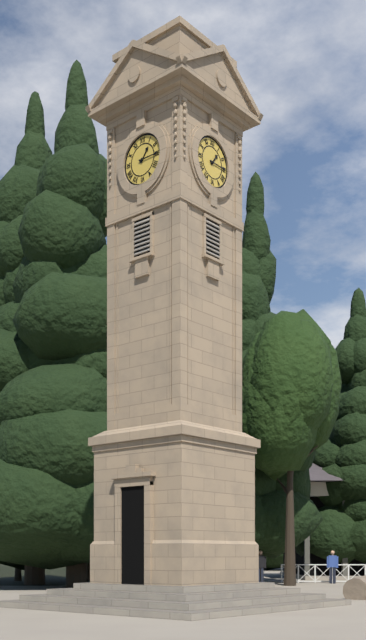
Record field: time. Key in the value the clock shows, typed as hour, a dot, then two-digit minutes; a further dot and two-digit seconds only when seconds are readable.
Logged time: 1.15
